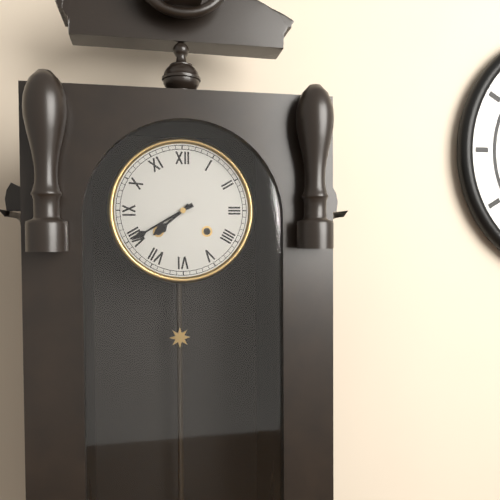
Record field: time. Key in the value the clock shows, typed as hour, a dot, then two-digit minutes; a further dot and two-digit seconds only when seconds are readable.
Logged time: 7.40
